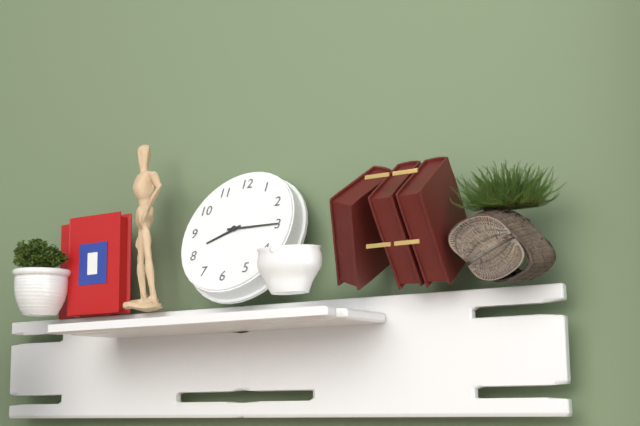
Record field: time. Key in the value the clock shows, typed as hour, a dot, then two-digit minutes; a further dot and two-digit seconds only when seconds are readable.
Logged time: 8.15
